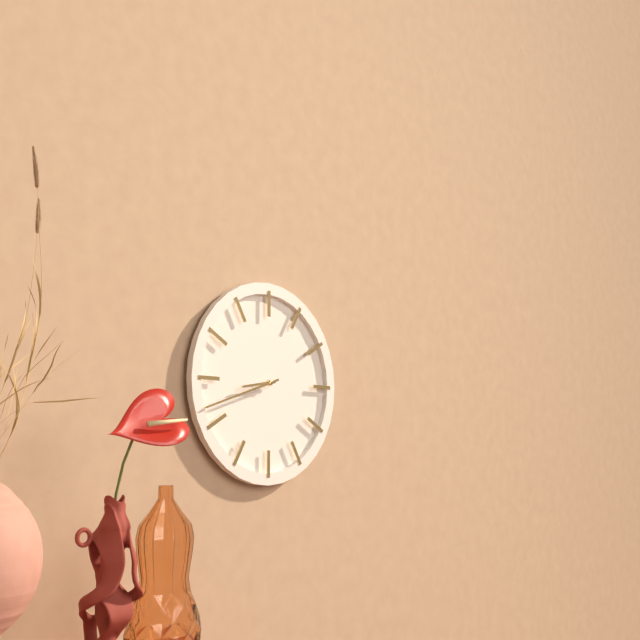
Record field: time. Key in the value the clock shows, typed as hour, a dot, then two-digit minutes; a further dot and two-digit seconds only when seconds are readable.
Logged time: 8.42
